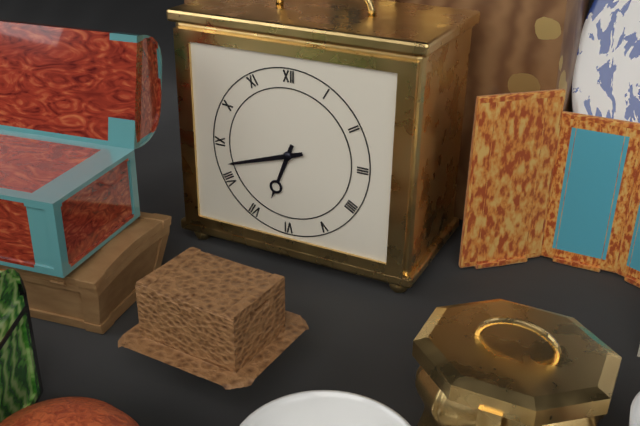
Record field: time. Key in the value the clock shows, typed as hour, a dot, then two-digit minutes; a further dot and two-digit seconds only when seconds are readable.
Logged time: 6.42
